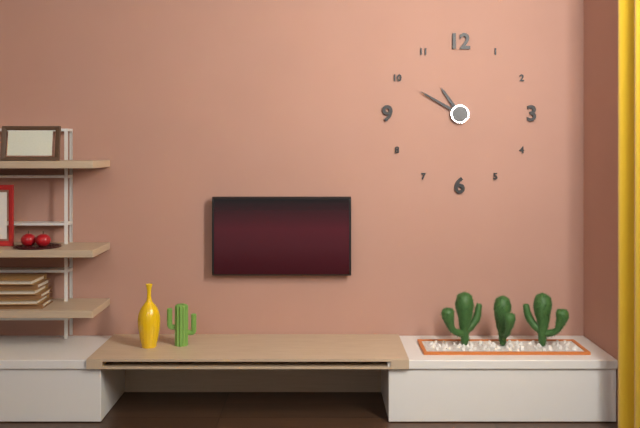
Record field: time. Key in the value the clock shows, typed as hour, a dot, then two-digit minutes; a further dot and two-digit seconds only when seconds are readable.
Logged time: 10.50
